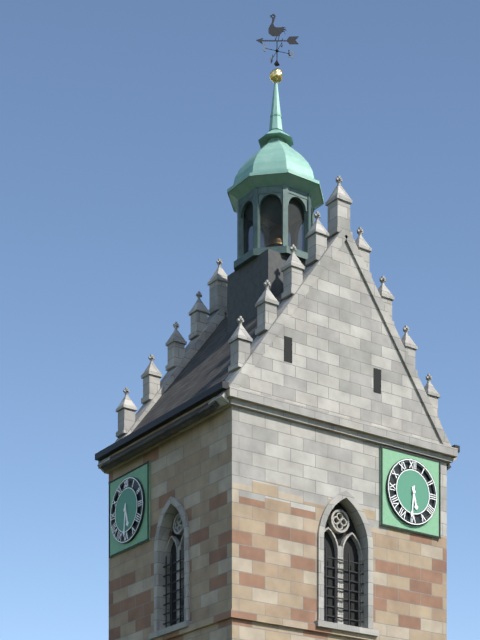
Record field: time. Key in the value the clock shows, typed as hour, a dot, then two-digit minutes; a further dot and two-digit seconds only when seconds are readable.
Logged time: 5.31
